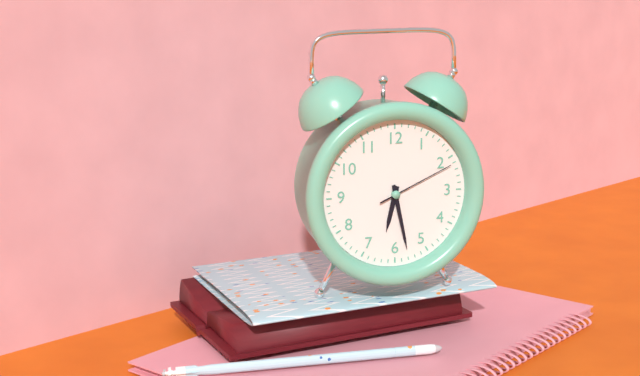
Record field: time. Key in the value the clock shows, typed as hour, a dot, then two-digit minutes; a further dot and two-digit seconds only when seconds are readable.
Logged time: 6.28.11
